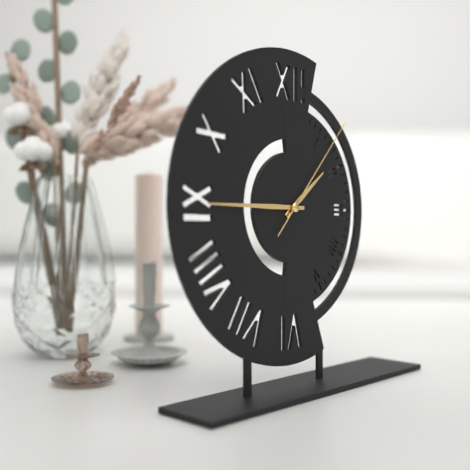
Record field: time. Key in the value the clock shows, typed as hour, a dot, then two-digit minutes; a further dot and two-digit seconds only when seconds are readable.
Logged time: 1.45.07
